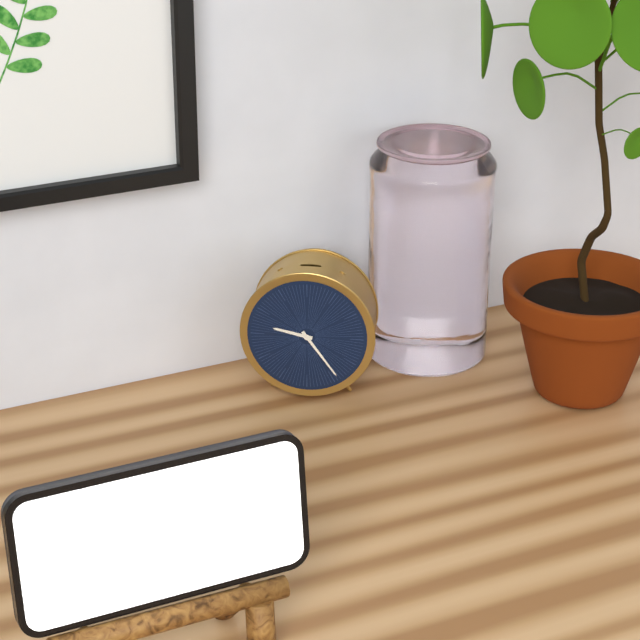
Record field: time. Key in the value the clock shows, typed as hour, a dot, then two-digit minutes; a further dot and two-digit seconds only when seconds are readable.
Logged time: 9.24
